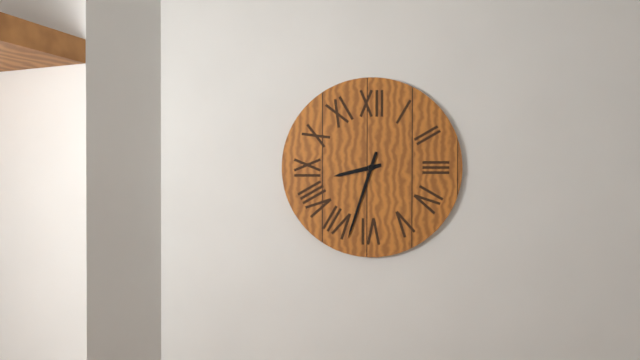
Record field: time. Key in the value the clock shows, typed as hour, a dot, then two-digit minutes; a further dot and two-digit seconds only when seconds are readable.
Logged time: 8.33
